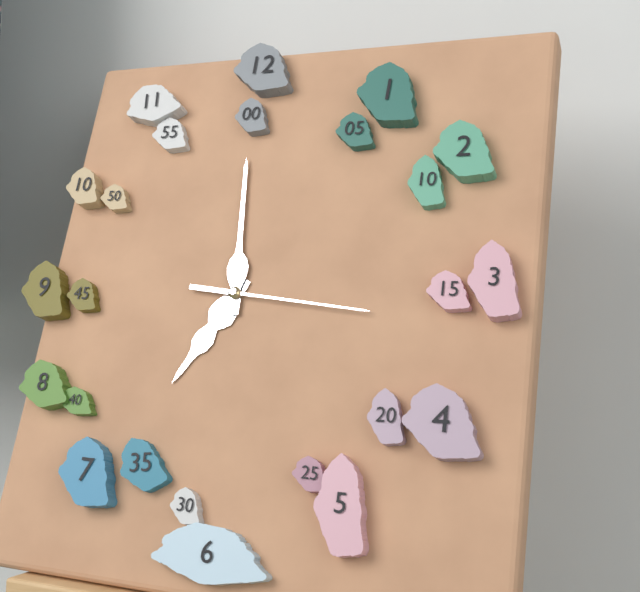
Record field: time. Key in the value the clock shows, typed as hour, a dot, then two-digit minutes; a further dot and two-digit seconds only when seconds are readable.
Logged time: 6.59.16
